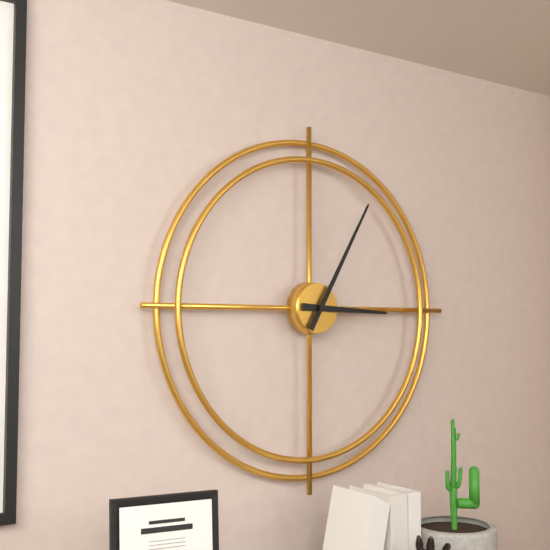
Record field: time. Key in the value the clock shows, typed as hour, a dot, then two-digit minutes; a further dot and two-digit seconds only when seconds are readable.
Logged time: 3.05
